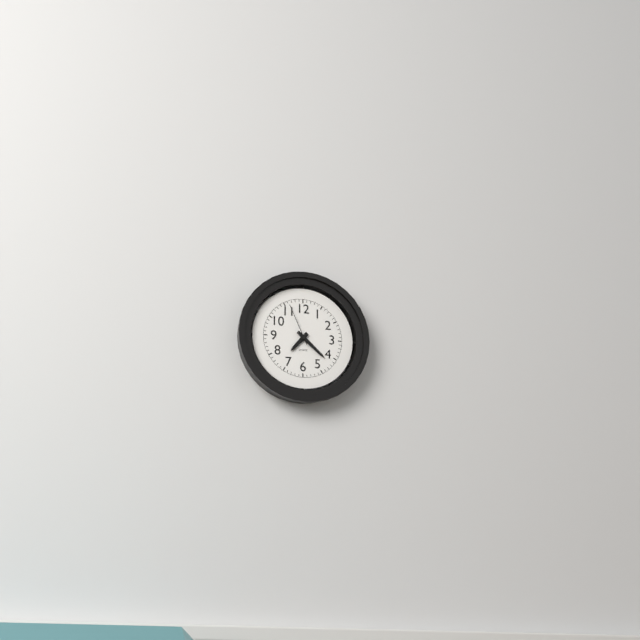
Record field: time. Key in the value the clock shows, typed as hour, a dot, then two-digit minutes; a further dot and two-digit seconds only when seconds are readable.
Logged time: 7.22
